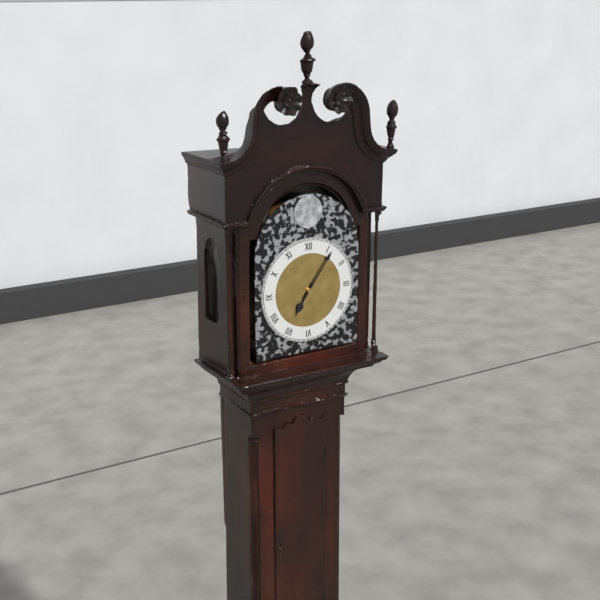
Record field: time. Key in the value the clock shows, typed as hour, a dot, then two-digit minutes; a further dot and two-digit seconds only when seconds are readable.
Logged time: 7.06
